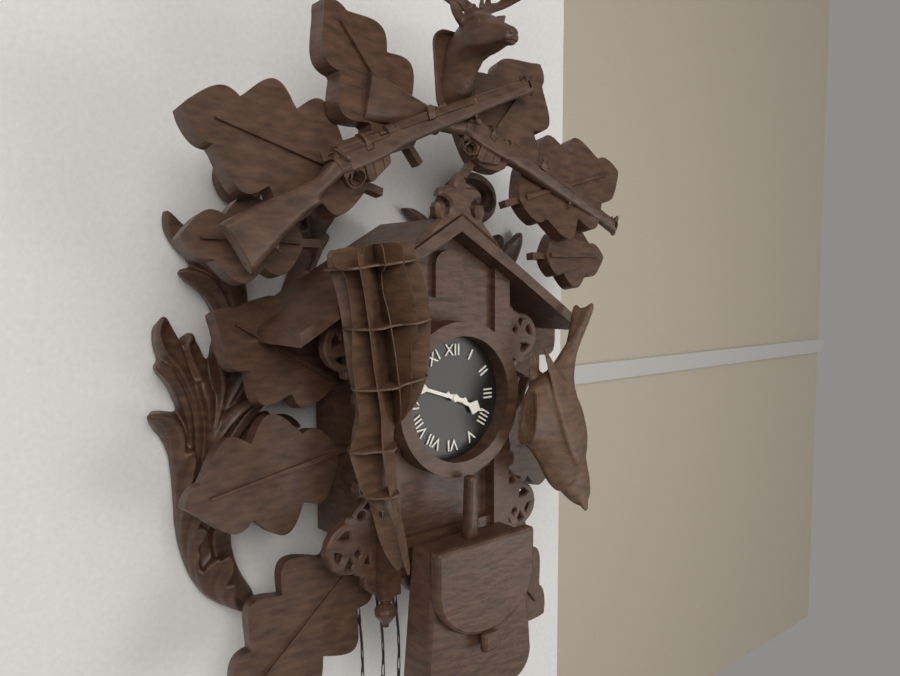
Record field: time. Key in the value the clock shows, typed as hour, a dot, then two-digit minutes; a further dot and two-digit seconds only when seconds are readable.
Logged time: 3.48
